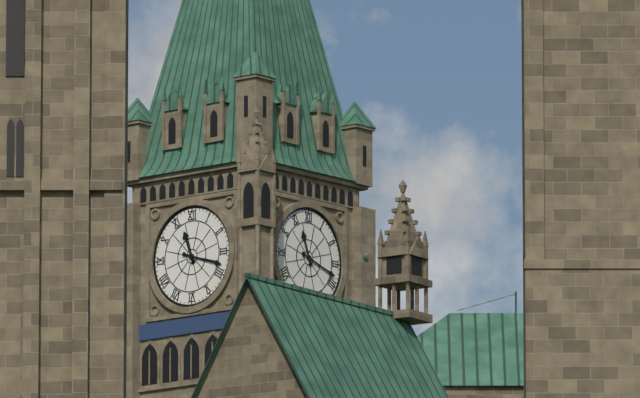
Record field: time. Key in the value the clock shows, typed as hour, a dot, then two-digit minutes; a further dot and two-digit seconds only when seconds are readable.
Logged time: 11.18
